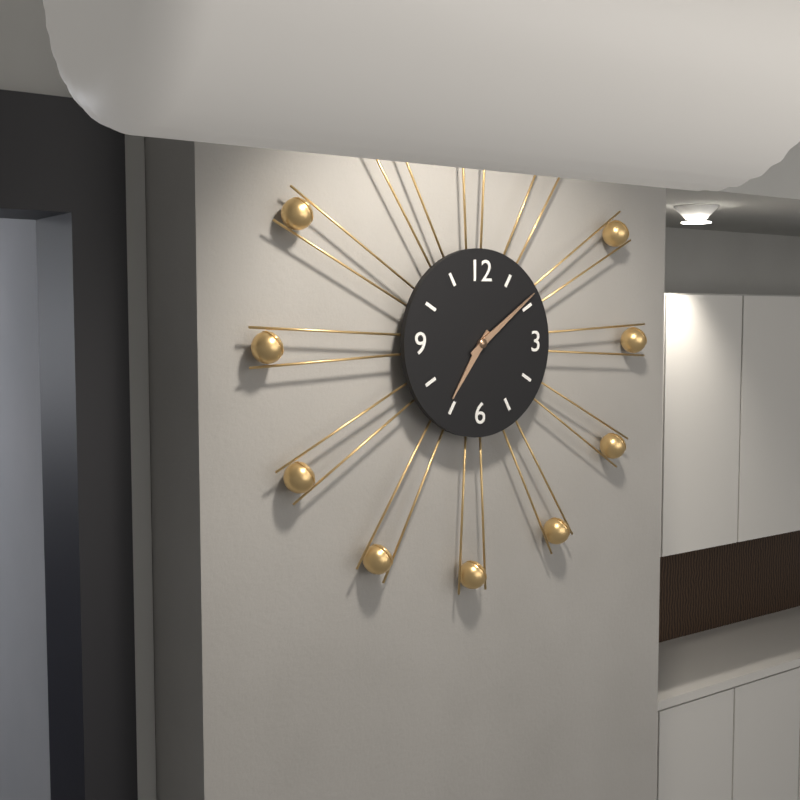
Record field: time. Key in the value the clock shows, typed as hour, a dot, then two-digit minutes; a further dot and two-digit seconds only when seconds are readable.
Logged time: 7.09
